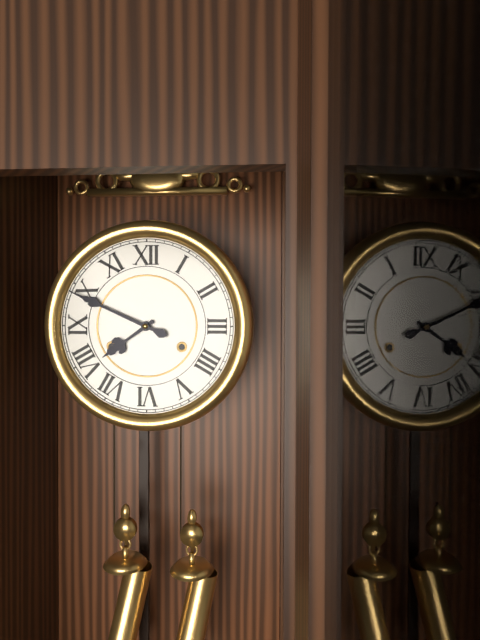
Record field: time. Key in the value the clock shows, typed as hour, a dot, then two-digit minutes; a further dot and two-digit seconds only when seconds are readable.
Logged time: 7.49
